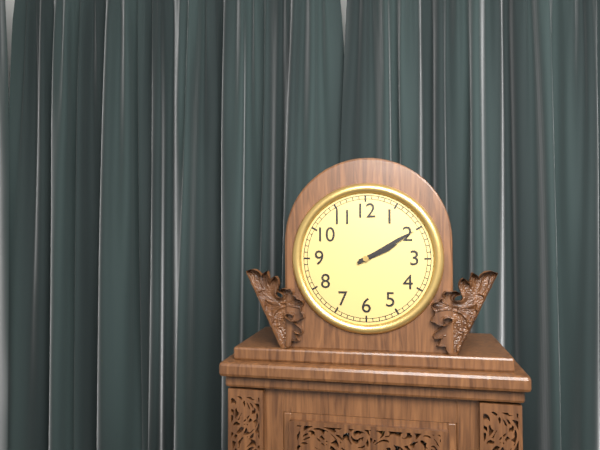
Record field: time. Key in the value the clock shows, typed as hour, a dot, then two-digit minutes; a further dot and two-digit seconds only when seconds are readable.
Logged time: 2.10
